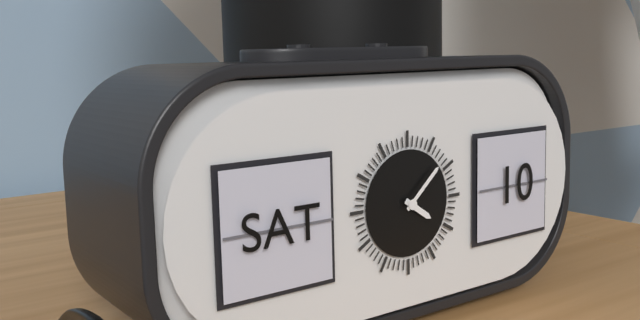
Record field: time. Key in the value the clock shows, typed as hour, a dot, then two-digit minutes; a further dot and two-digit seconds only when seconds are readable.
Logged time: 4.08
